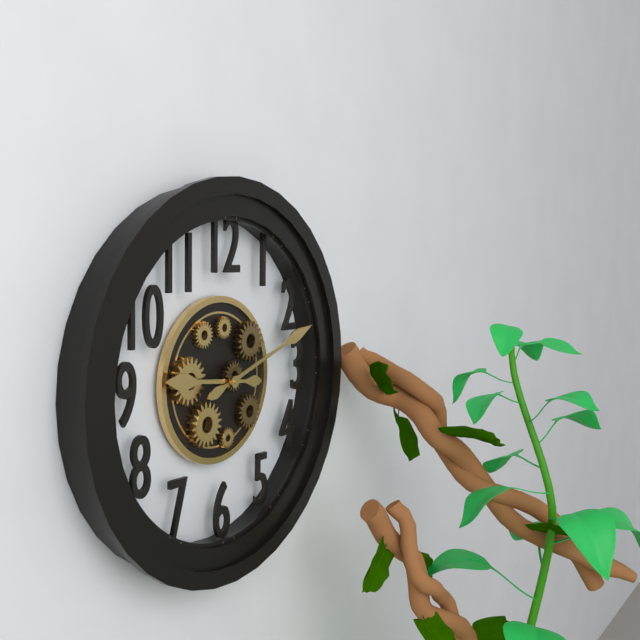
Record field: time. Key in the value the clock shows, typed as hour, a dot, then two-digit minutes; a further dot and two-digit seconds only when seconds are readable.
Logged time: 9.12
